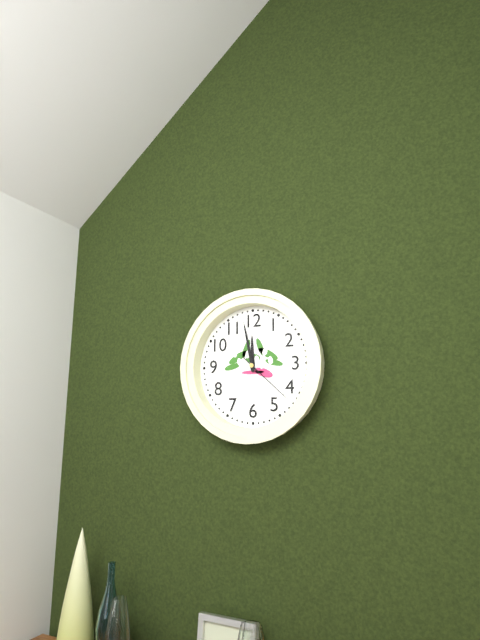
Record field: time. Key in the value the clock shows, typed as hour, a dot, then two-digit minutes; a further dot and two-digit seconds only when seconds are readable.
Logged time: 11.58.22
